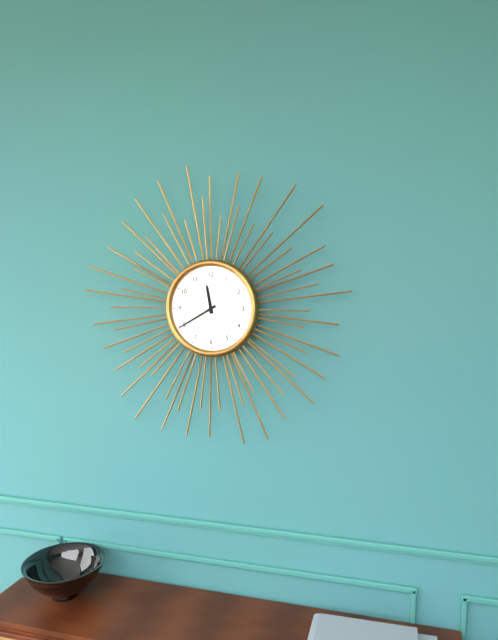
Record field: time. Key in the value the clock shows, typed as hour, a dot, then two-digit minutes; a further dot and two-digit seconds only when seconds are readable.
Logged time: 11.40
